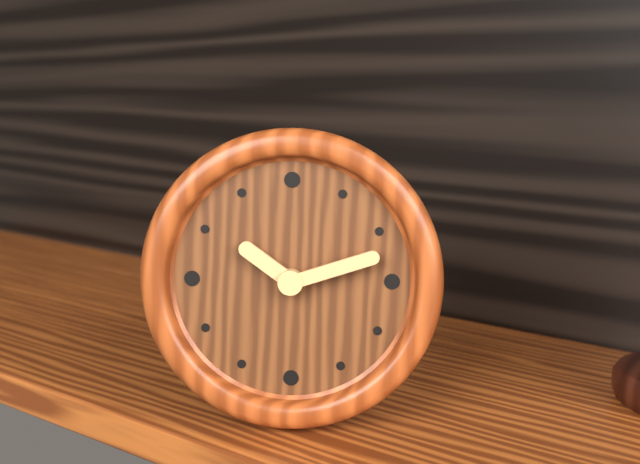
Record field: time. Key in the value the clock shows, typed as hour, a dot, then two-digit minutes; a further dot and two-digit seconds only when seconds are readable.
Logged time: 10.12
